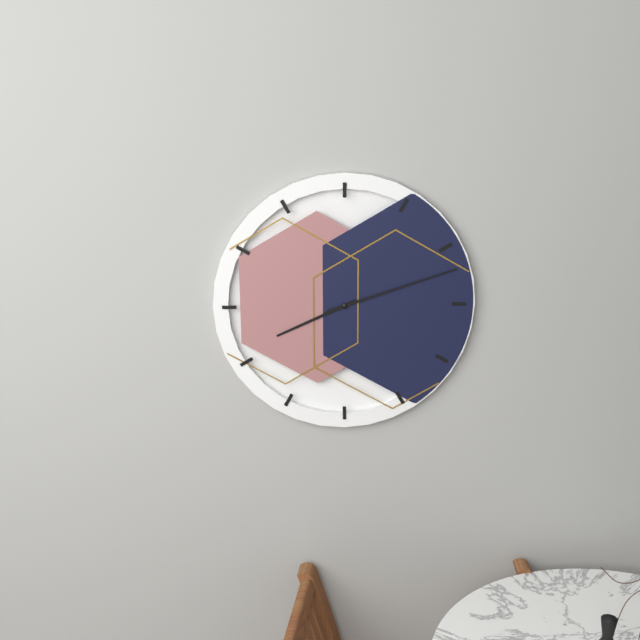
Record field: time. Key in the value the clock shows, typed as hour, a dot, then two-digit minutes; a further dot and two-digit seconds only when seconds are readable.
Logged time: 8.12
